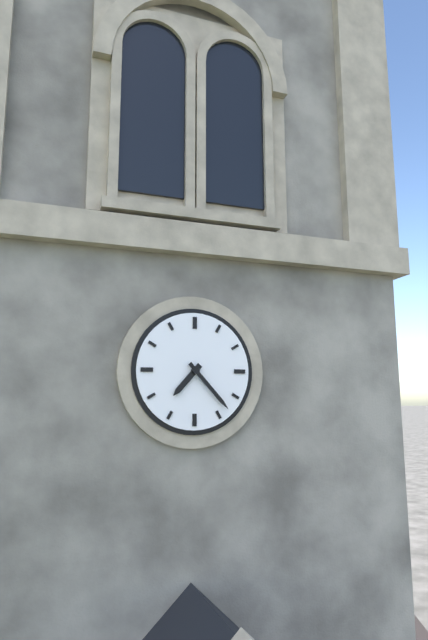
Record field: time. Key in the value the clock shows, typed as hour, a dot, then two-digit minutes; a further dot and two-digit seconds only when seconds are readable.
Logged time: 7.23
